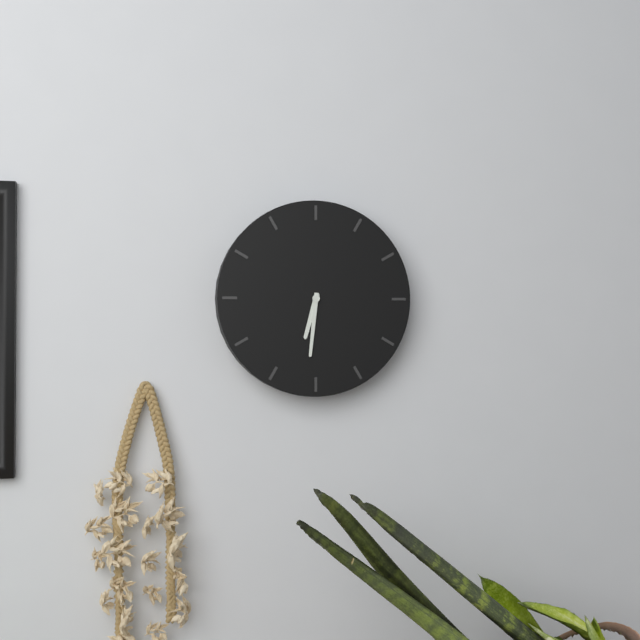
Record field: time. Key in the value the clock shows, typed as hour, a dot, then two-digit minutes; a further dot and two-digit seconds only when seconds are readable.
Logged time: 6.31
